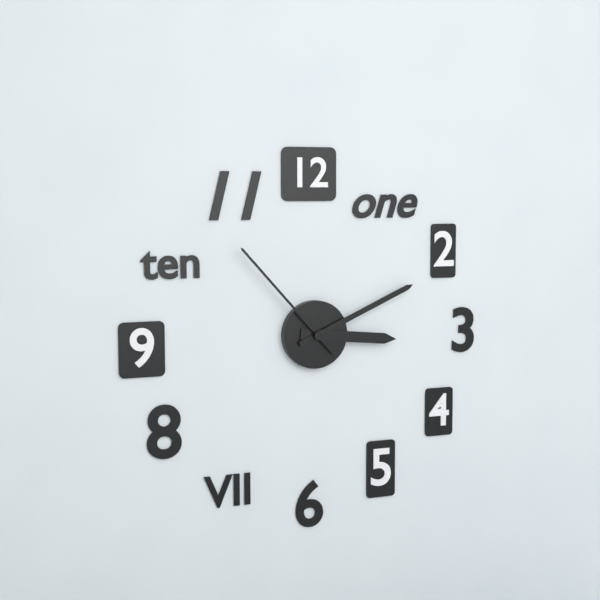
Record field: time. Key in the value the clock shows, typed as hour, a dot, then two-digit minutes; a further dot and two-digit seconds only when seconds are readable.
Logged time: 3.11.53
